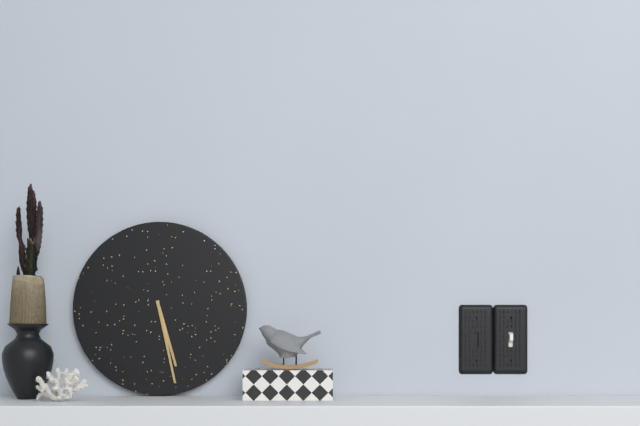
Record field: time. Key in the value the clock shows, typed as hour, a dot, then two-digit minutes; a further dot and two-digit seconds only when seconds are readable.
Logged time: 5.28
